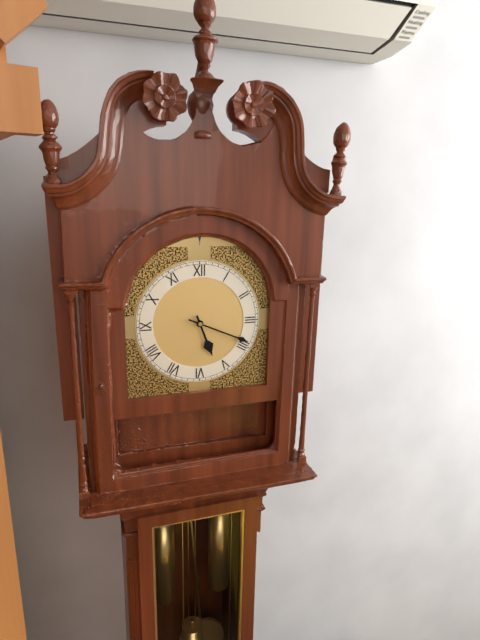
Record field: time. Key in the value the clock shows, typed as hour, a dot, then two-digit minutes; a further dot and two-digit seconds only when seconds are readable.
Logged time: 5.19
